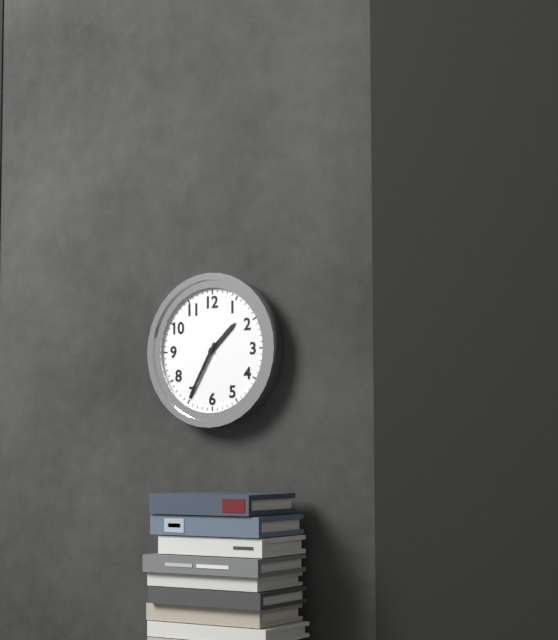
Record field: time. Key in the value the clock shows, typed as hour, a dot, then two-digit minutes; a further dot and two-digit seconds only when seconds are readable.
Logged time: 1.35
